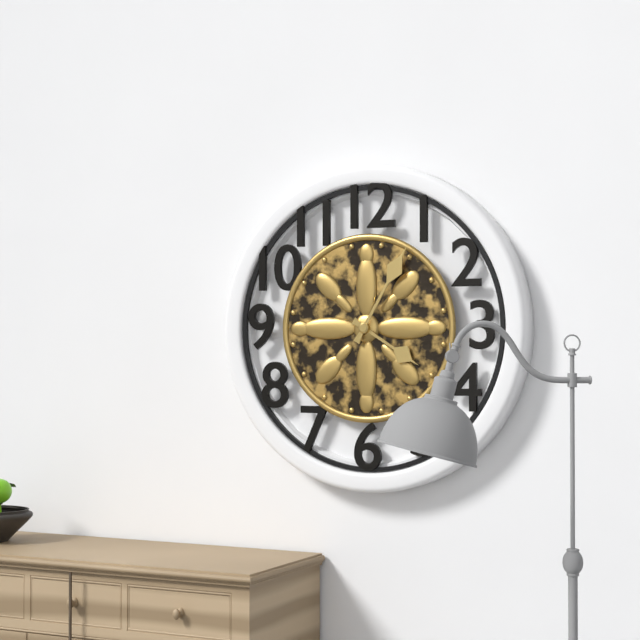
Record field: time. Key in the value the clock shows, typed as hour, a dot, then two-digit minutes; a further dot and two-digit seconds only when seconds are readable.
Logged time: 4.05
